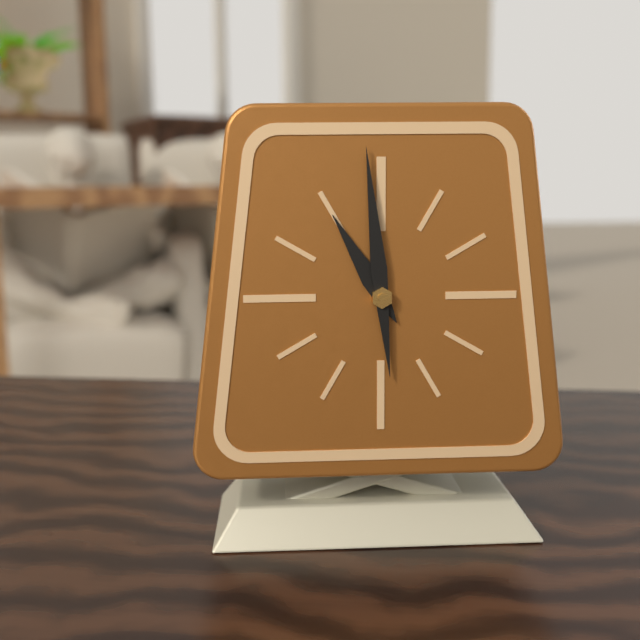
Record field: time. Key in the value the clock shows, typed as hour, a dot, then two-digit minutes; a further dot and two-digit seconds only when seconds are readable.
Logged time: 10.59
